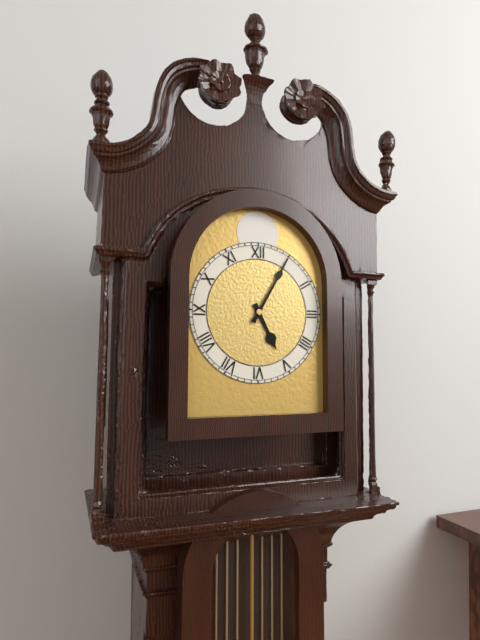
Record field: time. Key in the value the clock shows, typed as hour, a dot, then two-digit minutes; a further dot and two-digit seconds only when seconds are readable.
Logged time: 5.05
